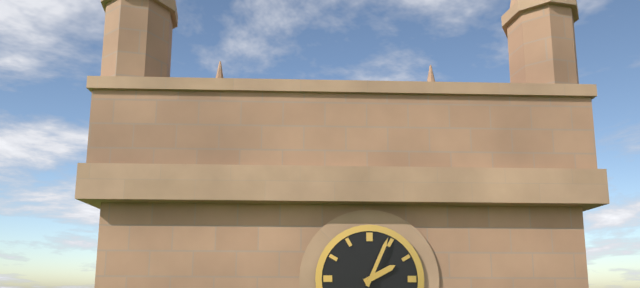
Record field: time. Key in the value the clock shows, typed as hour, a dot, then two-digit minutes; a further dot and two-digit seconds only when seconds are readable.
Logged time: 2.04
